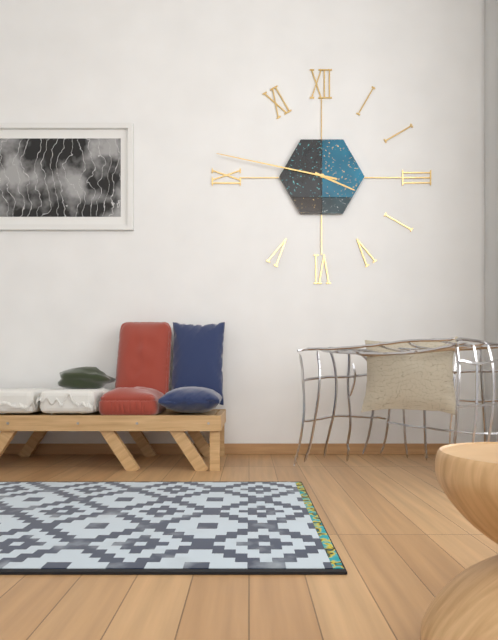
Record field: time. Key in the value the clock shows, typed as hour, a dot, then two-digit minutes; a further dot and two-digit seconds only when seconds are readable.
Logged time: 3.47
